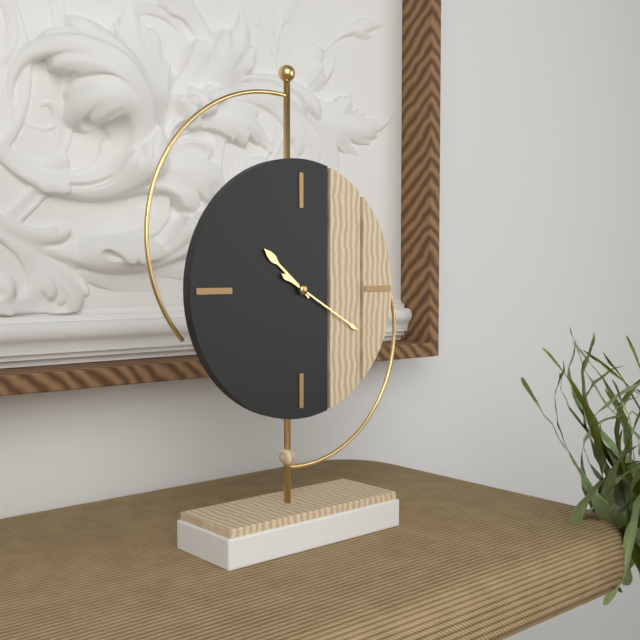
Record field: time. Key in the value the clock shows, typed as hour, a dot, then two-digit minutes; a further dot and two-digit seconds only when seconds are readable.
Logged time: 10.20
